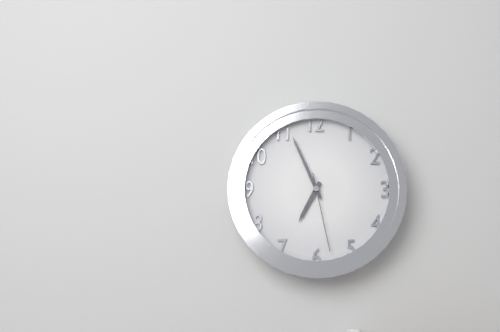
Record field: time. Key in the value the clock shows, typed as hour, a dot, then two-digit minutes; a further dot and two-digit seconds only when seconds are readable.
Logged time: 6.56.28
